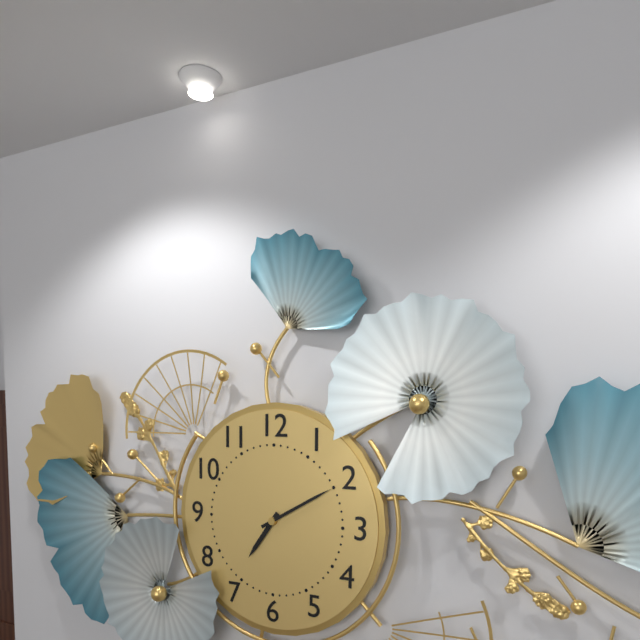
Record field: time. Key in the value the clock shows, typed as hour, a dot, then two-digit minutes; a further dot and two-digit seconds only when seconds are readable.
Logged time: 7.10
